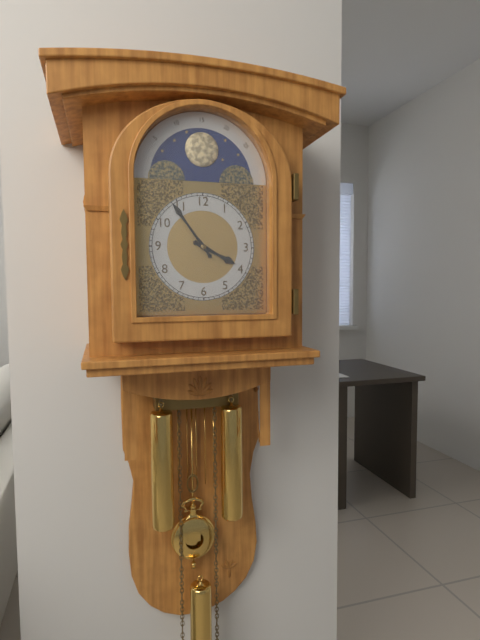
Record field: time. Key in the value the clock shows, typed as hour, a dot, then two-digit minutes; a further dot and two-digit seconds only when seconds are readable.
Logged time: 3.54
